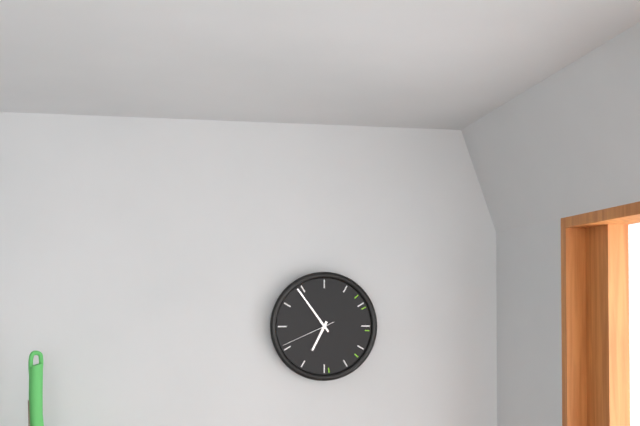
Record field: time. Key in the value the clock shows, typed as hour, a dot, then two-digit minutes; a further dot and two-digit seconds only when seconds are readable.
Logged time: 6.54.41
